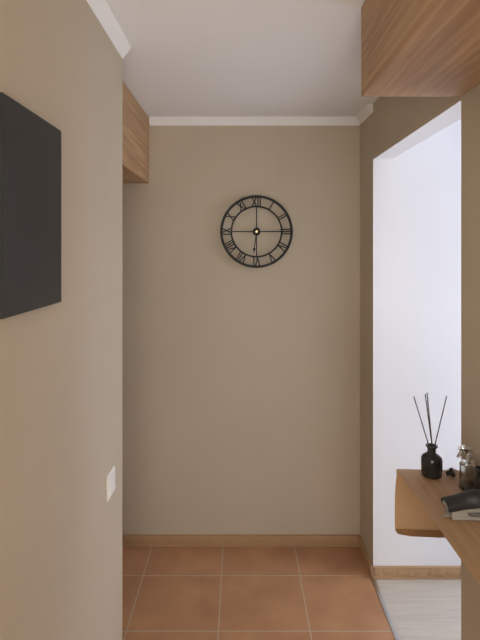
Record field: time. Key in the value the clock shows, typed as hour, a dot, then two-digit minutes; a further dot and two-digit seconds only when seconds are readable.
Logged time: 6.15
